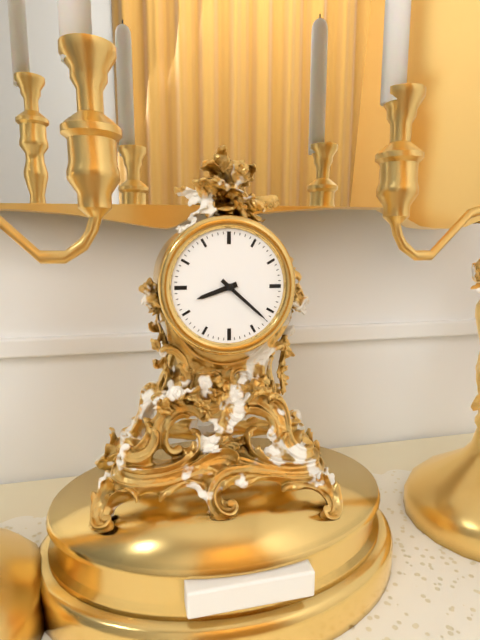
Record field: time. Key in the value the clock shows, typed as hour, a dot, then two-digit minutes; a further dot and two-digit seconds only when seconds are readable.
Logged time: 8.22
